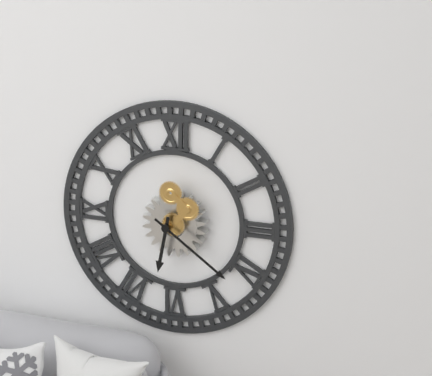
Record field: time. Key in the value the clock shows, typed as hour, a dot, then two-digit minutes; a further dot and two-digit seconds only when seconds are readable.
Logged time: 6.21
